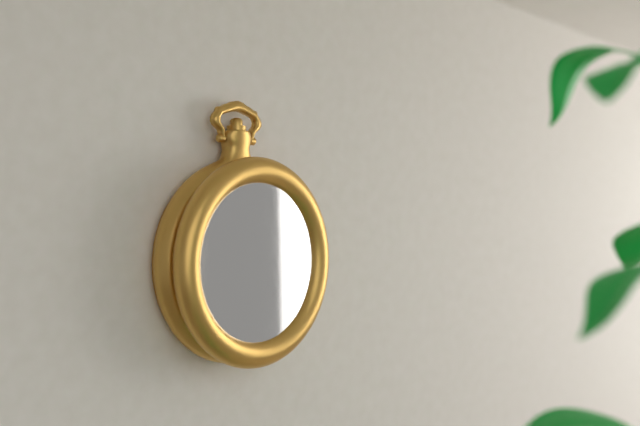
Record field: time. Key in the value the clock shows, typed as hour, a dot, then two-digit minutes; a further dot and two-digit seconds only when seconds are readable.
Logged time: 7.08
